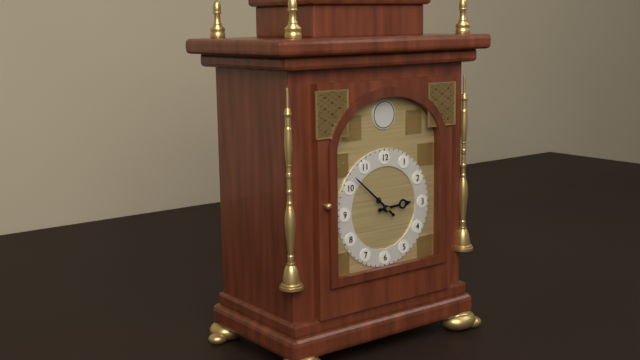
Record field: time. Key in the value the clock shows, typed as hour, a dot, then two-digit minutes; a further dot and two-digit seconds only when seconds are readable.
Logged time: 2.52
